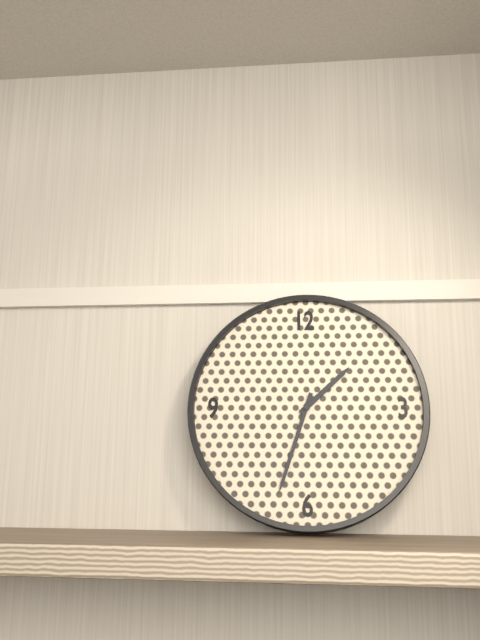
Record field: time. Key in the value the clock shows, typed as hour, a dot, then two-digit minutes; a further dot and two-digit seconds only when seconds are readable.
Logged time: 1.33
